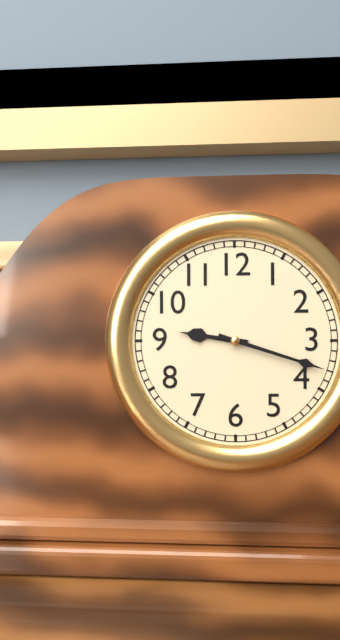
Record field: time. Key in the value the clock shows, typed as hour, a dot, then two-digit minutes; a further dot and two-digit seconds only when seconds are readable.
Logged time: 9.18
